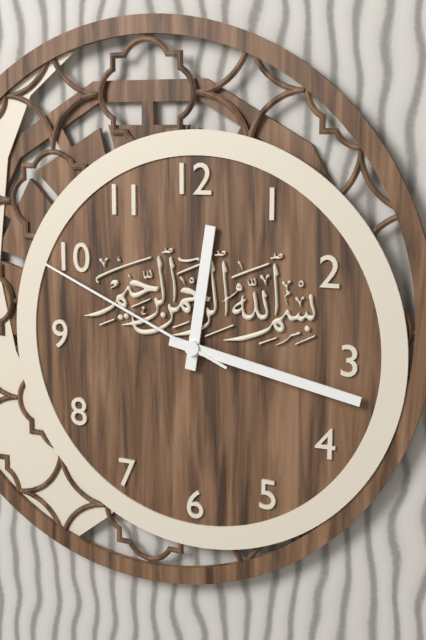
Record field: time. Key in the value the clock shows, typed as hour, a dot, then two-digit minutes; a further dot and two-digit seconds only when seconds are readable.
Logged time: 12.17.49
